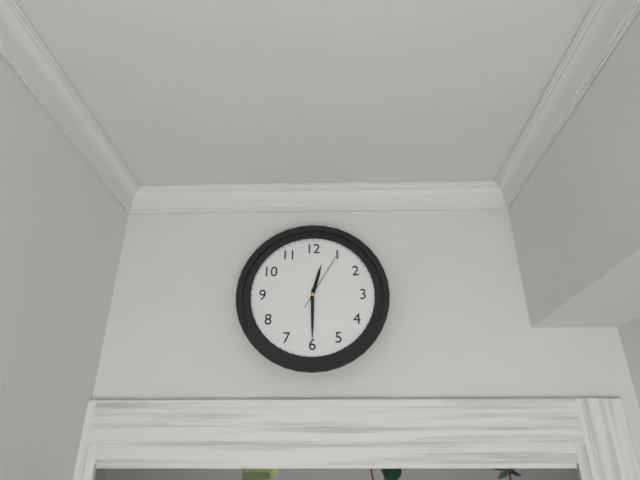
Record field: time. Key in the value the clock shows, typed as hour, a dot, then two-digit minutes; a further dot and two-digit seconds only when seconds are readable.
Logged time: 12.30.05
